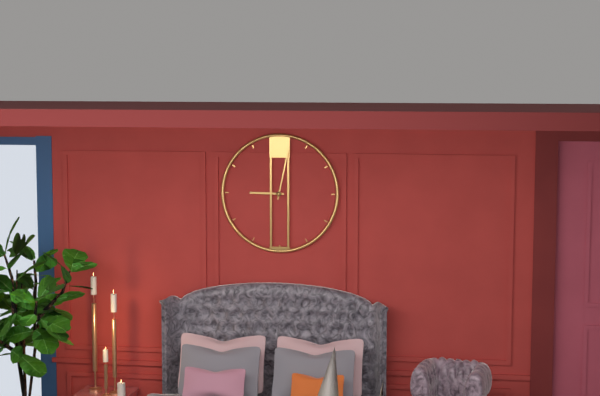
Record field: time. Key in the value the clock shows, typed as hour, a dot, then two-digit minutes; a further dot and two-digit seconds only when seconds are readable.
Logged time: 9.02
